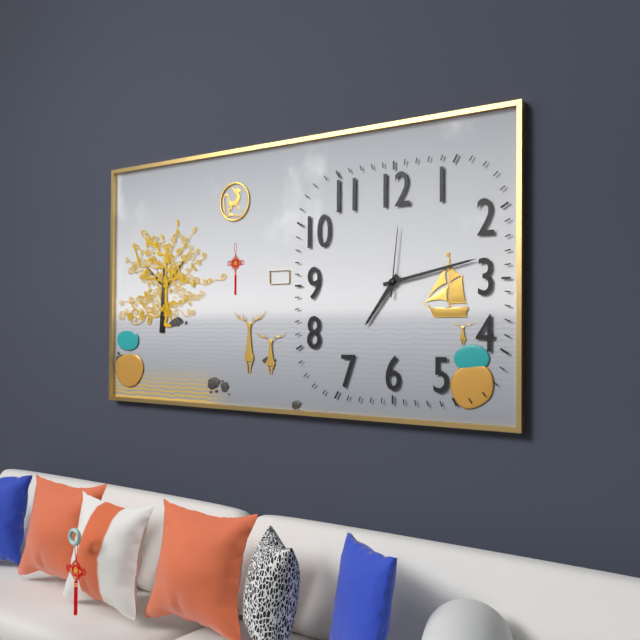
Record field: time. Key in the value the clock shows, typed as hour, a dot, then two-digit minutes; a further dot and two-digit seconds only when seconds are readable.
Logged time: 7.13.01
